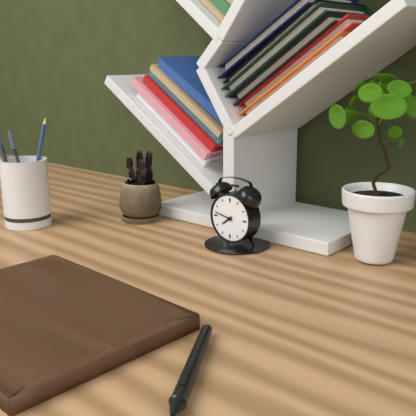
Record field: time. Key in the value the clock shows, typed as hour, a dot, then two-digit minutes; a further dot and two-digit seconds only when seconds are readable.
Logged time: 7.47
